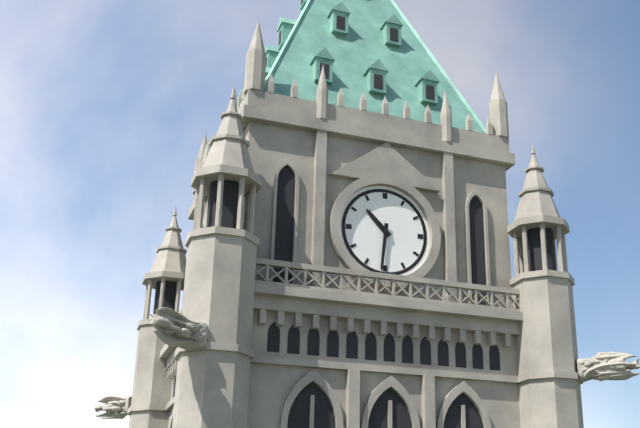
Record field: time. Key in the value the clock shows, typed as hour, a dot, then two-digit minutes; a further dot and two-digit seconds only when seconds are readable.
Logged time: 10.31
